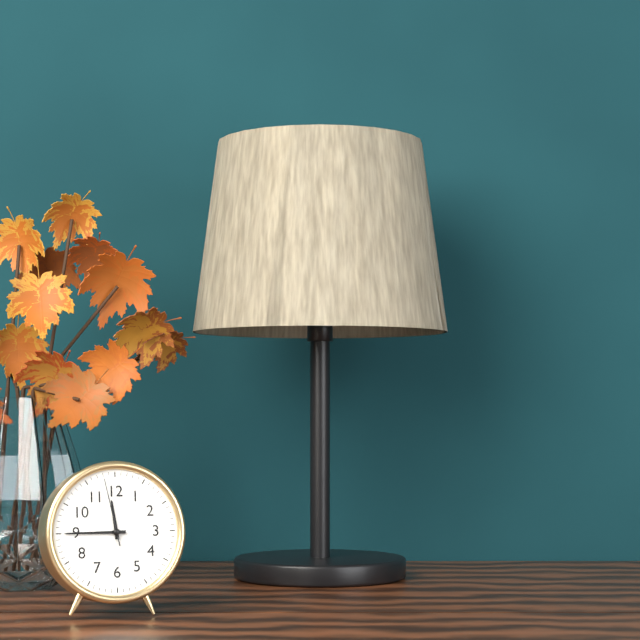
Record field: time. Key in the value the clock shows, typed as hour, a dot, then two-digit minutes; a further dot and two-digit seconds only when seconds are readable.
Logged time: 11.45.58
